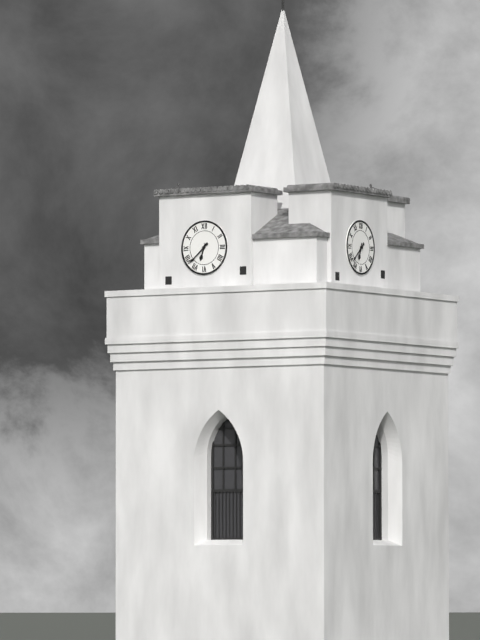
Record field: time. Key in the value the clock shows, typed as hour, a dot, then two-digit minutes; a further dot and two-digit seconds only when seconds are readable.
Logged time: 6.38
